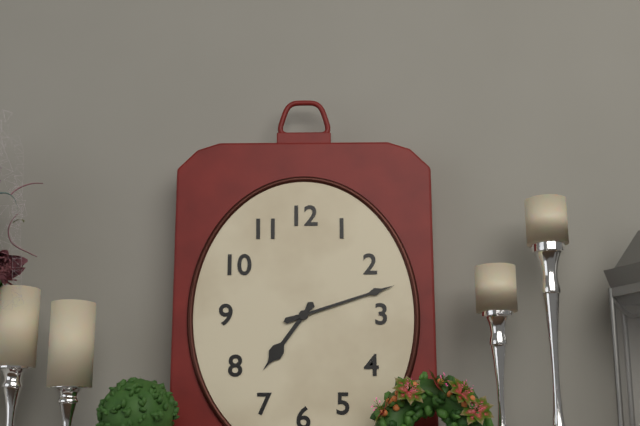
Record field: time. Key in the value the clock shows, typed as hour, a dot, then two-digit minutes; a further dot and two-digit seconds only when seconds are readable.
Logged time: 7.12
